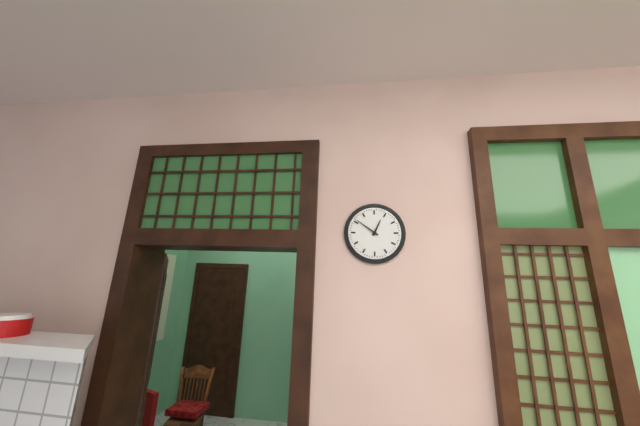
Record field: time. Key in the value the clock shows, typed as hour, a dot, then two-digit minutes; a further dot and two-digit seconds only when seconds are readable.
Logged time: 12.51
